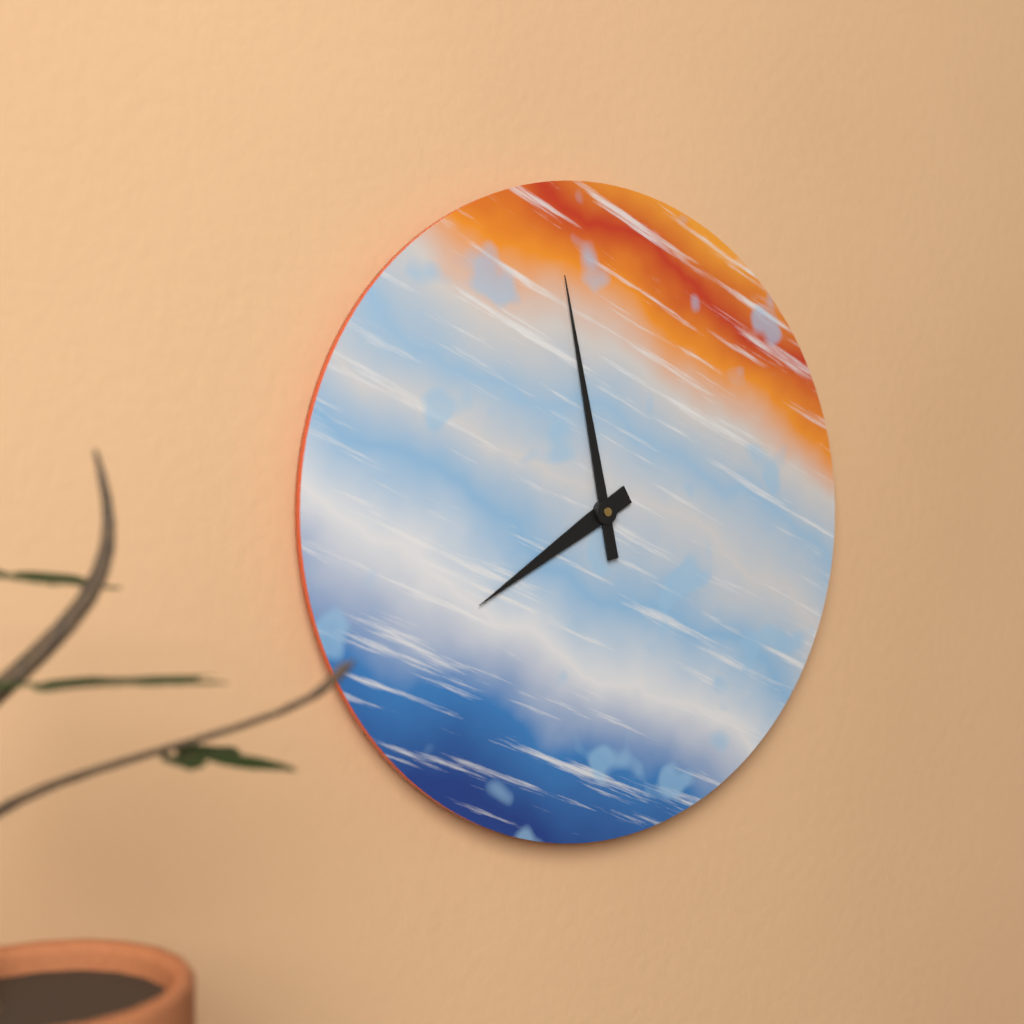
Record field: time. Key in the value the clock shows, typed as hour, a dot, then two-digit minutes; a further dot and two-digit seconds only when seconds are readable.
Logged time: 7.58
